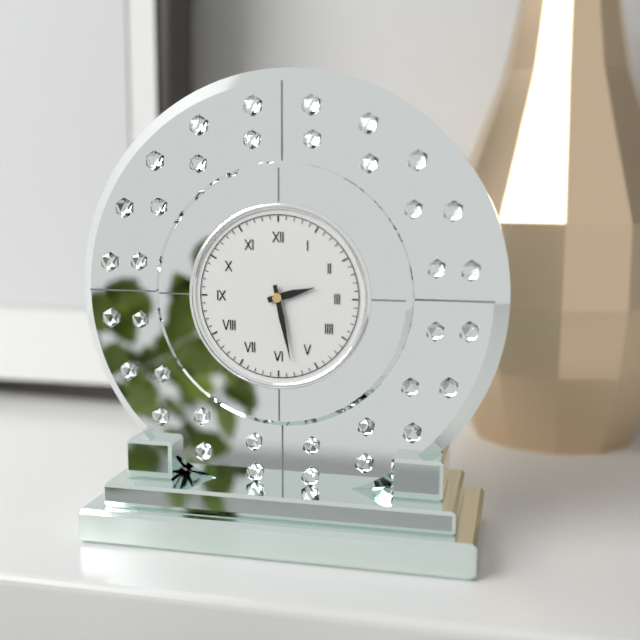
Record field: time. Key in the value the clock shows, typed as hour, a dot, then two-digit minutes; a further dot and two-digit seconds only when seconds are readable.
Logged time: 2.28
